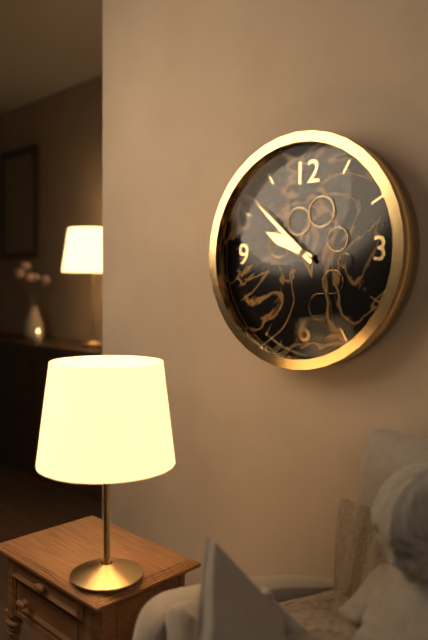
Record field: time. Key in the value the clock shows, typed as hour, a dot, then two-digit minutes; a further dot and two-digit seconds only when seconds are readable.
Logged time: 9.52
